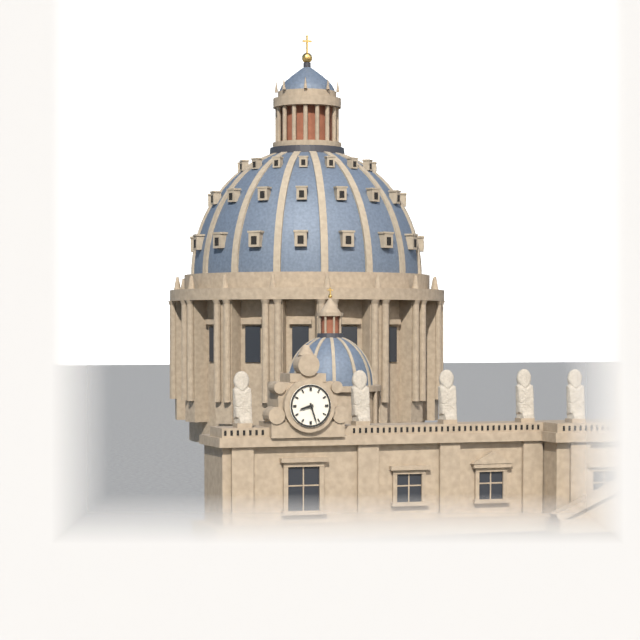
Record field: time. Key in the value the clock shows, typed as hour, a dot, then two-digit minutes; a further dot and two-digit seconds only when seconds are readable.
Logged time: 8.27
